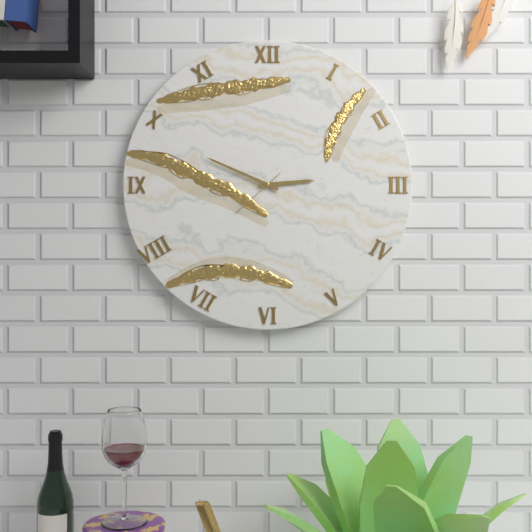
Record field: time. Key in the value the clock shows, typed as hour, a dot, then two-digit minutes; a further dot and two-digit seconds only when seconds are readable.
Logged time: 2.49.38
